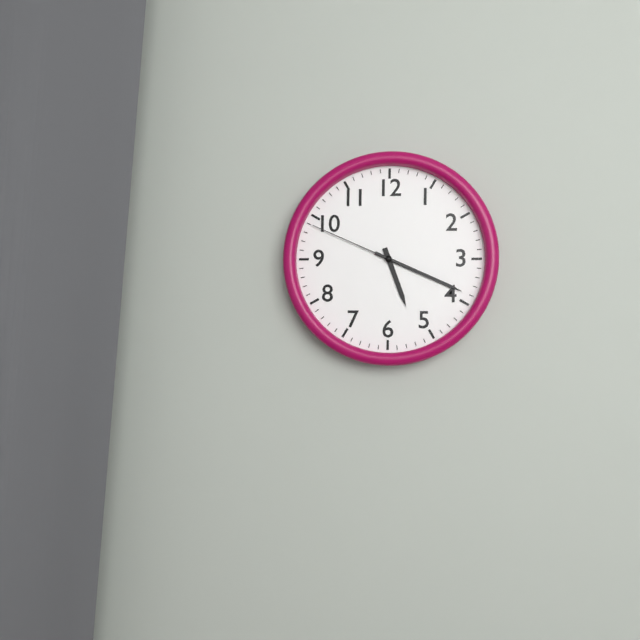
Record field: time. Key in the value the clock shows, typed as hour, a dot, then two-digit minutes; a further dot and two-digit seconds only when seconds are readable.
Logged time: 5.19.49
